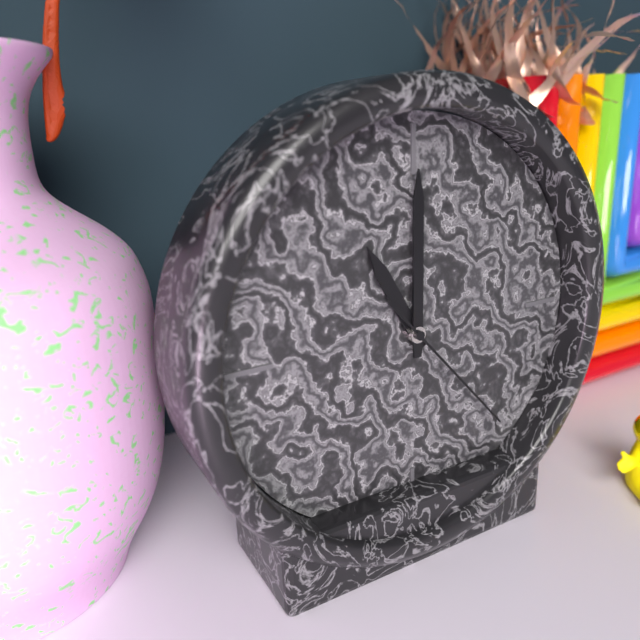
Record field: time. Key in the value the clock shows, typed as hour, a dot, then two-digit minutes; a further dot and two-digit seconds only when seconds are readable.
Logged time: 11.00.23
